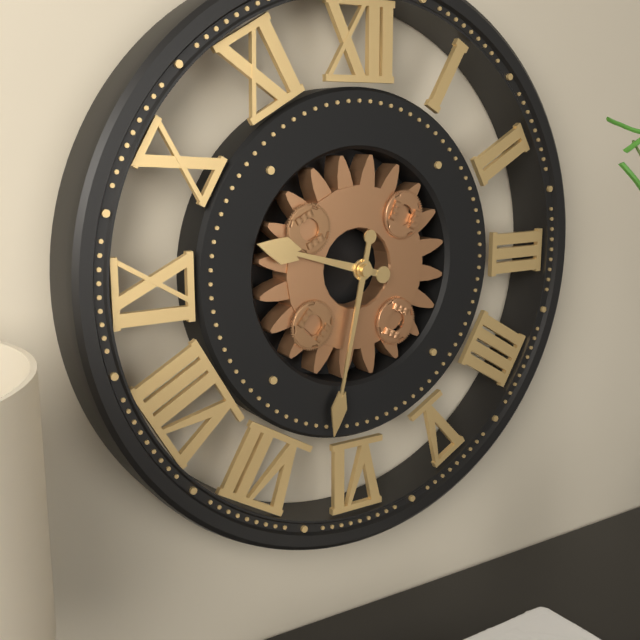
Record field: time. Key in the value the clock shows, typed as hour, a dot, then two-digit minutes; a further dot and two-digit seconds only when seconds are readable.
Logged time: 9.32
